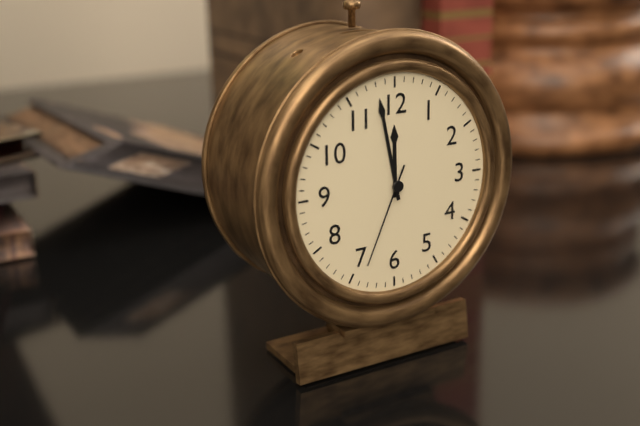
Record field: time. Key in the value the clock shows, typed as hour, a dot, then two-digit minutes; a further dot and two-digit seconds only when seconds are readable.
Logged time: 11.58.34
